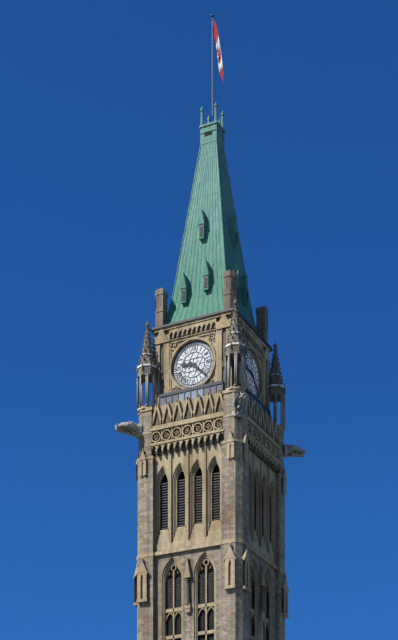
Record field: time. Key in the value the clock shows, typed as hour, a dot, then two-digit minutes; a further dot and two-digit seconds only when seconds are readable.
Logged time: 9.22
